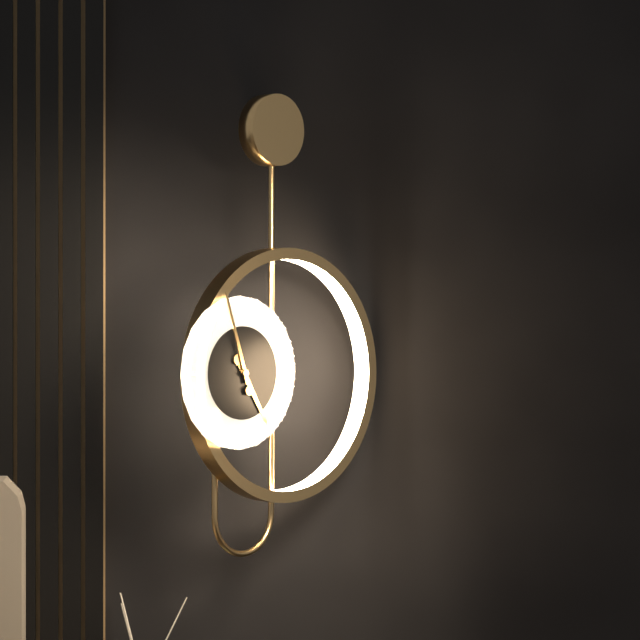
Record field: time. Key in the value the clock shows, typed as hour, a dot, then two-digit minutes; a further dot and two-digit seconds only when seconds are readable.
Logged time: 4.57
